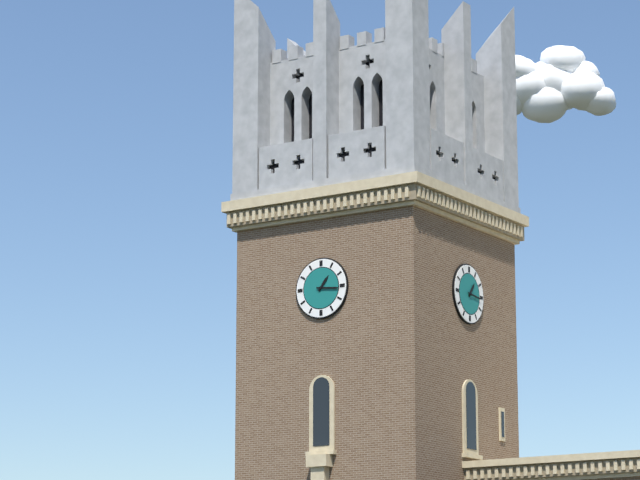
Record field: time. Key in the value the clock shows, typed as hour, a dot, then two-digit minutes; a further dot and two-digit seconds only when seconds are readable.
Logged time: 1.16
